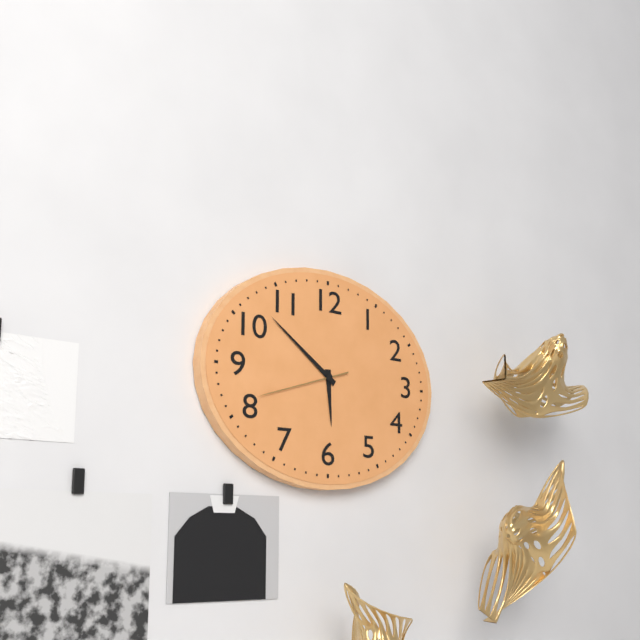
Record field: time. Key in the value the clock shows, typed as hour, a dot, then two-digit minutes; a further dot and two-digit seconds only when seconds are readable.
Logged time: 5.51.42
